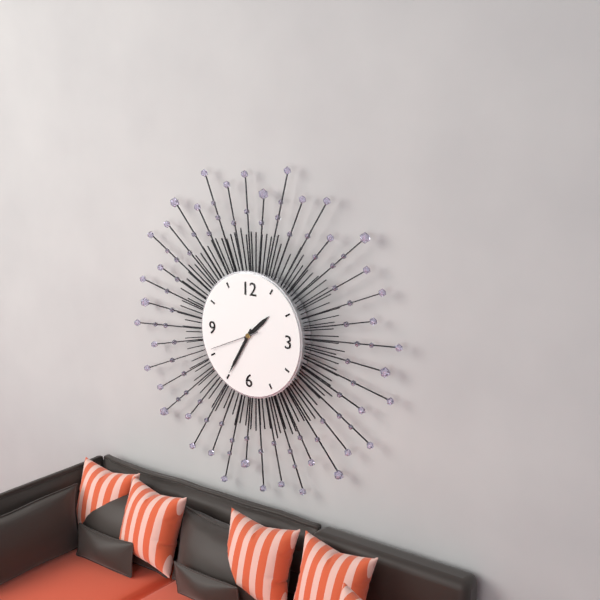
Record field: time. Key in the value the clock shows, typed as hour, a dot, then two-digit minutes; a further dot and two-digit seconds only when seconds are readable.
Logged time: 1.35
